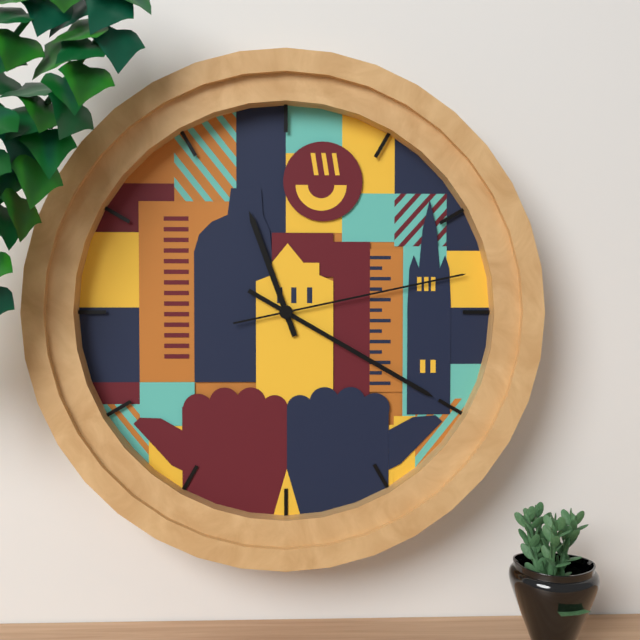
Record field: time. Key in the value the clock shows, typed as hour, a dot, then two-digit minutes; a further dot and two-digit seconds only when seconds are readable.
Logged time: 11.20.13
